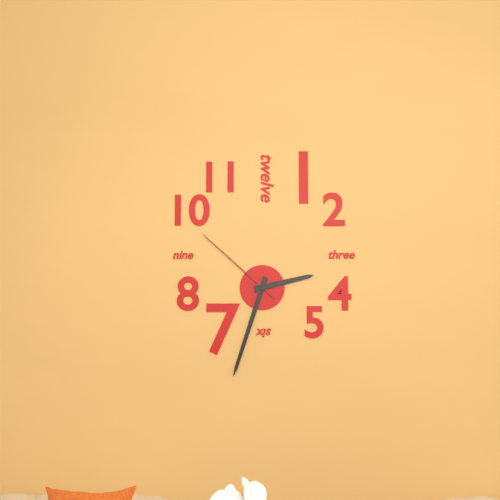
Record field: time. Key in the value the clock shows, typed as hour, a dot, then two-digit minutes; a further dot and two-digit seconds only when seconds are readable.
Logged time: 2.33.52
